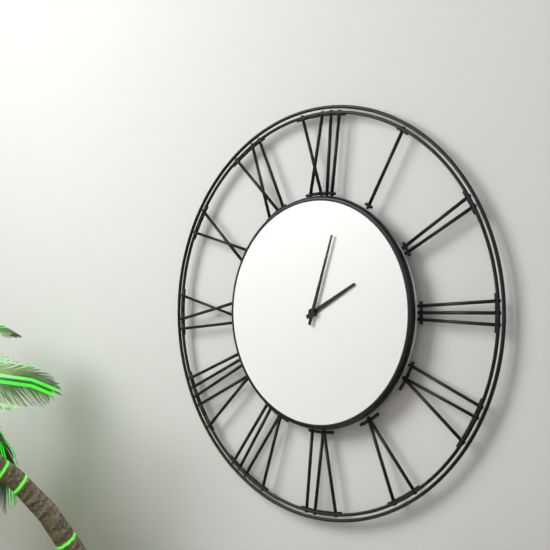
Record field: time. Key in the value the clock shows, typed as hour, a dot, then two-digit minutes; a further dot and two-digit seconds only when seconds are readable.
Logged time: 2.03
